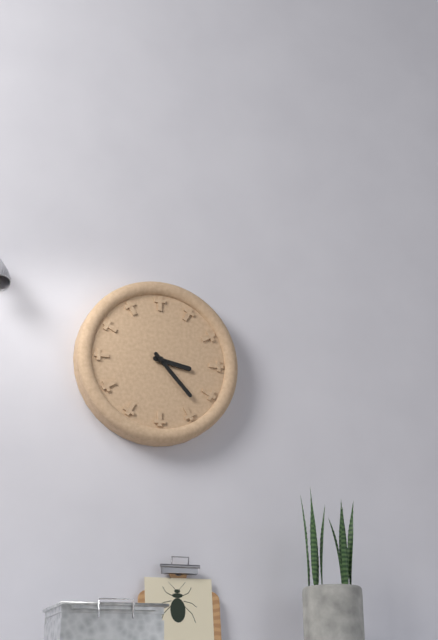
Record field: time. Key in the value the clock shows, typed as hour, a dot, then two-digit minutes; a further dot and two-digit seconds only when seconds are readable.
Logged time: 3.23
